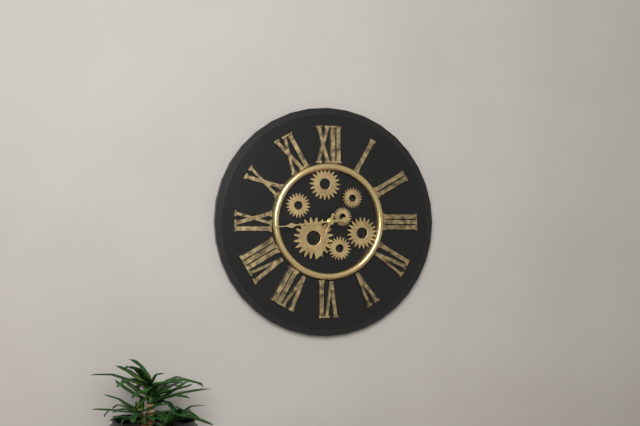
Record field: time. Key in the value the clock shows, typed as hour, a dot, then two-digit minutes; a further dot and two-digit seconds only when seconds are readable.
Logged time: 6.44
